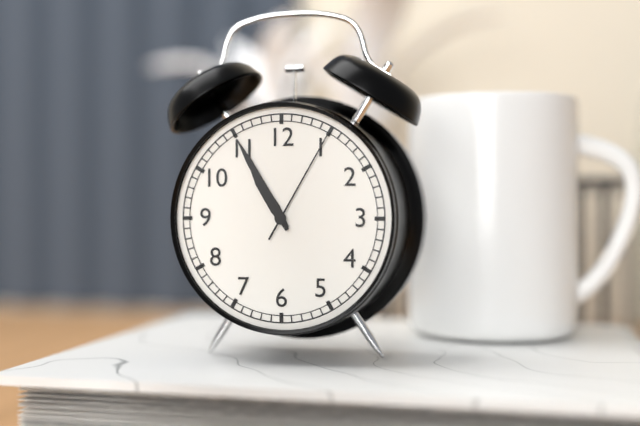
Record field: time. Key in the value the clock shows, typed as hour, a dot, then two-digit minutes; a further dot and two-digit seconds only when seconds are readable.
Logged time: 10.55.05
